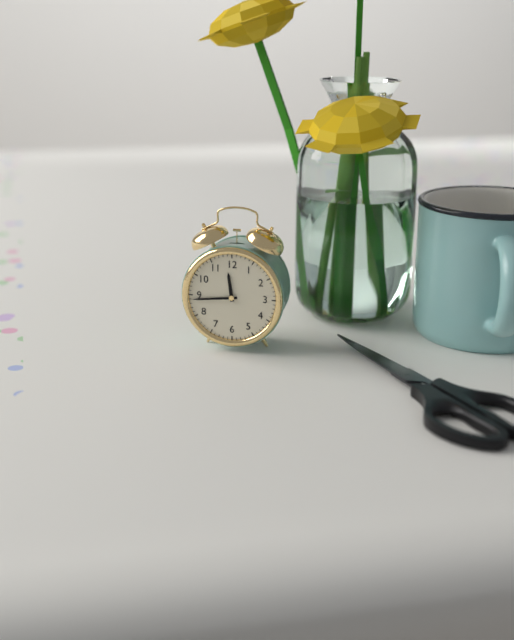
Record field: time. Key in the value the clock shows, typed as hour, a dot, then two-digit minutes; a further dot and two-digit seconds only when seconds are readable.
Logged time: 11.44
